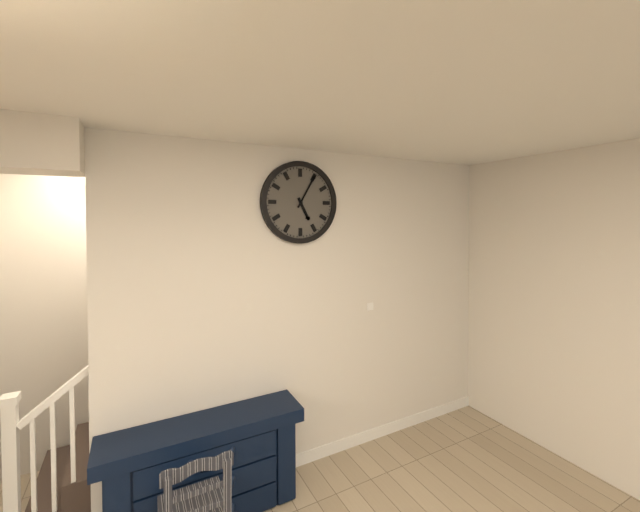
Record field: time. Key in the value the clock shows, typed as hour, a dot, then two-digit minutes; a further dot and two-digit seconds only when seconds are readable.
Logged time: 5.05
